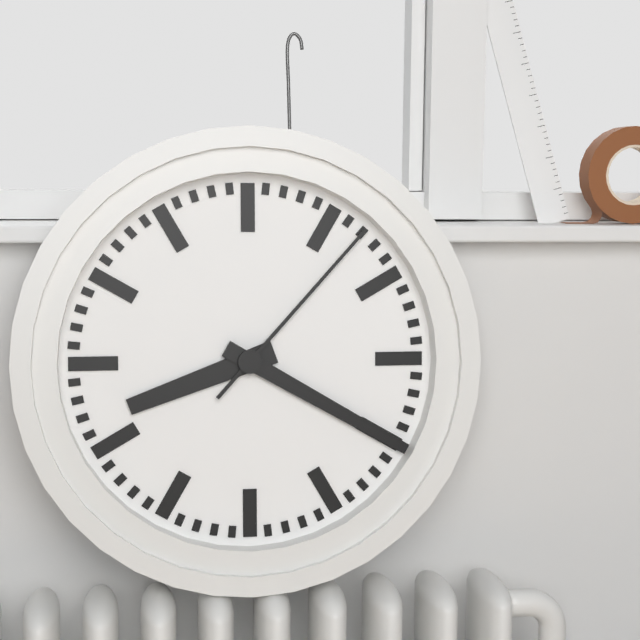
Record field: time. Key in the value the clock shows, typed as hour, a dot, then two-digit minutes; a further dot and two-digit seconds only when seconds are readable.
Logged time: 8.20.07
